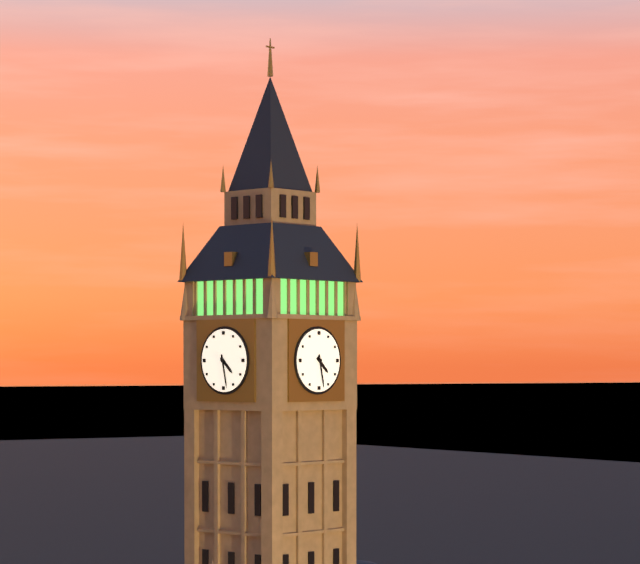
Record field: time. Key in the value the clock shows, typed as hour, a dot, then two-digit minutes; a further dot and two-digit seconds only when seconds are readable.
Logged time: 4.28
